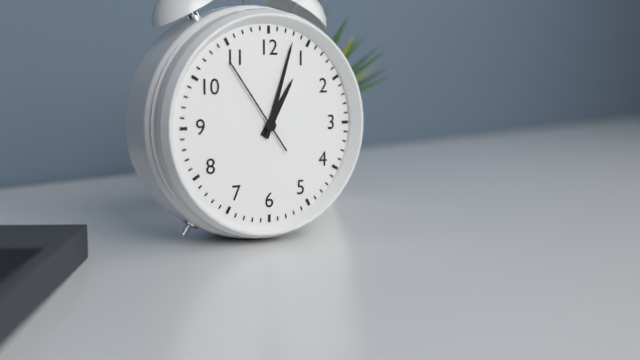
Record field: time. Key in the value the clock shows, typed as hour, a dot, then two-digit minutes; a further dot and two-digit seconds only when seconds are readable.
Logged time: 1.03.54
